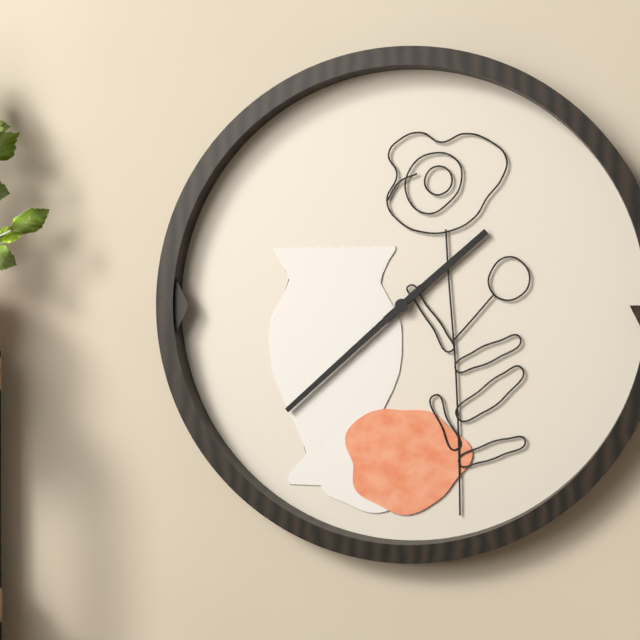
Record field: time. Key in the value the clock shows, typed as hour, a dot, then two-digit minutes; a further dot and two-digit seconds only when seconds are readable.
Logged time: 1.38
